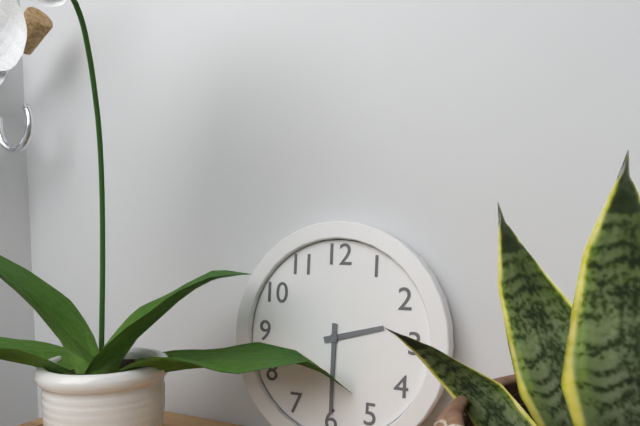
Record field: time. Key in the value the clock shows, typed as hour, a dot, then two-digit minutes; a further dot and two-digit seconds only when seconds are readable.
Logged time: 2.30
